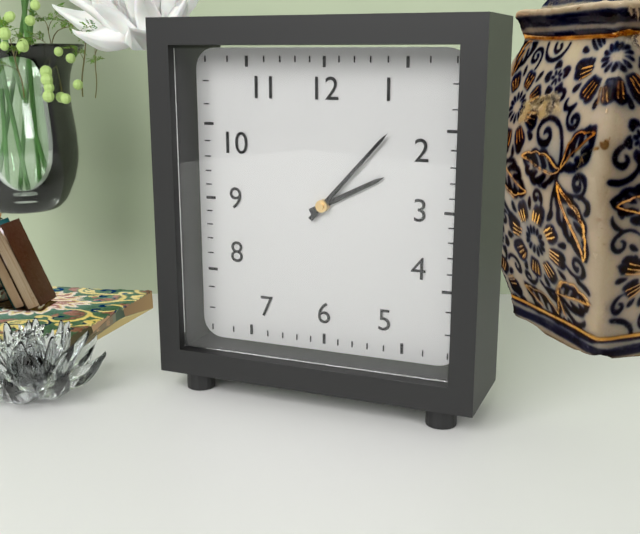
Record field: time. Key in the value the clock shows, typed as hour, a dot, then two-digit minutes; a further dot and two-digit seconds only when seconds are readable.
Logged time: 2.07
